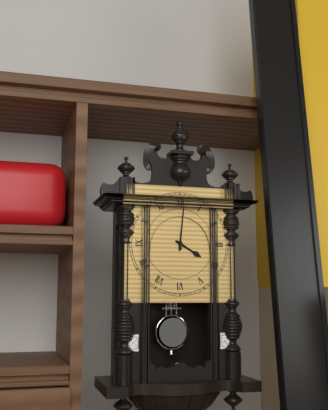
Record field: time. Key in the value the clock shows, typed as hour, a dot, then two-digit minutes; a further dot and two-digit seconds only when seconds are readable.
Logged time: 4.01
